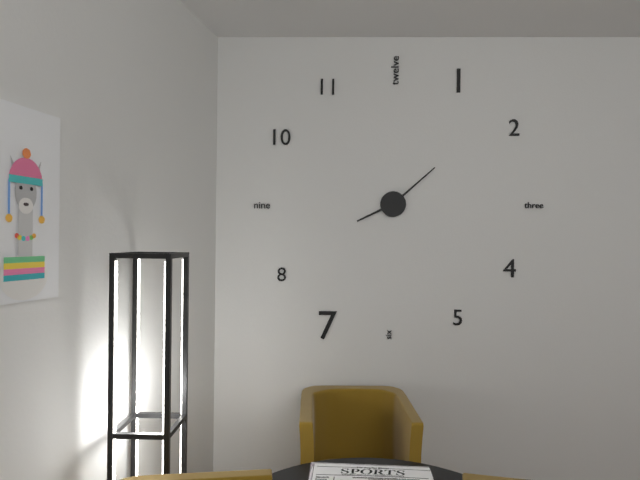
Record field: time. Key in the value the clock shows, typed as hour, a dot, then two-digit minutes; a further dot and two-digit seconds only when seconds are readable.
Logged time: 8.08
